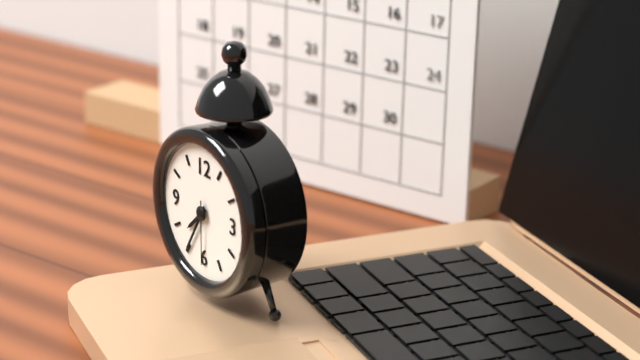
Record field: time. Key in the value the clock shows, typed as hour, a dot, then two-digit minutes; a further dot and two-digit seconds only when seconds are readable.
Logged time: 7.35.30
